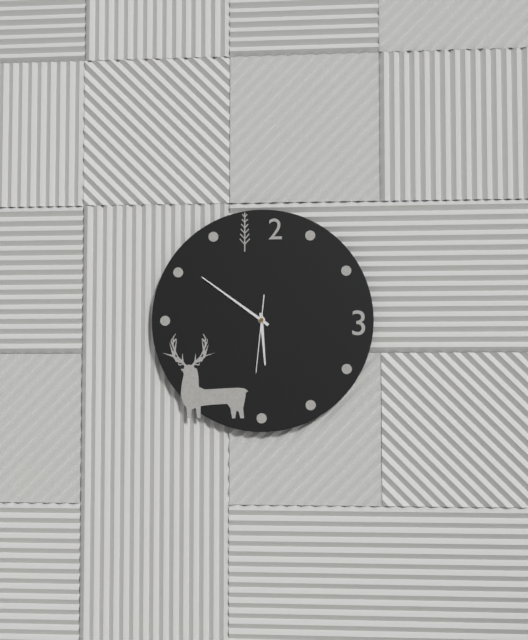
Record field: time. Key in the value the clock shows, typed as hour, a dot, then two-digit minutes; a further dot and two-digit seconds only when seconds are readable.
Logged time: 5.51.31
